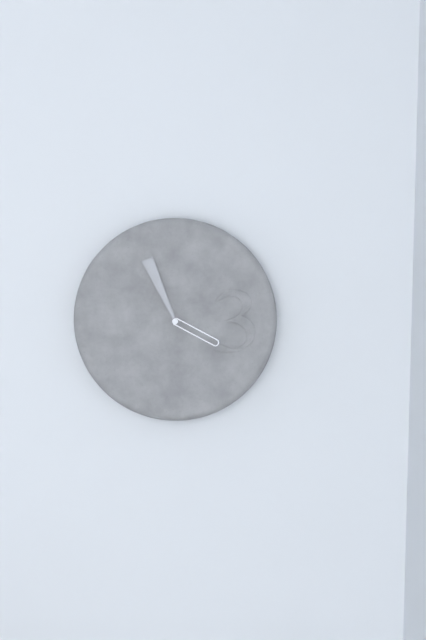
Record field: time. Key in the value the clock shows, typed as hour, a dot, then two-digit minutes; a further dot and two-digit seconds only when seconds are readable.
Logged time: 3.56
